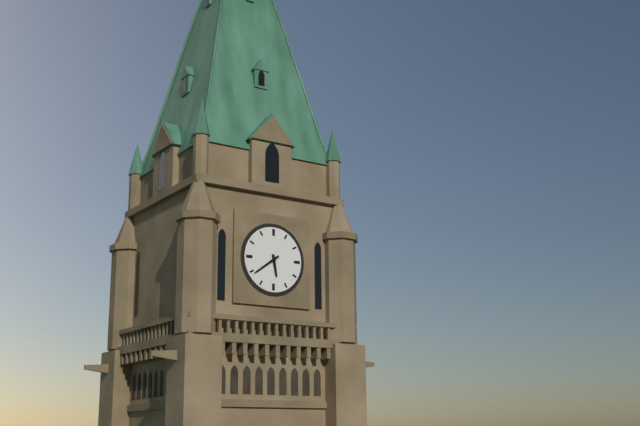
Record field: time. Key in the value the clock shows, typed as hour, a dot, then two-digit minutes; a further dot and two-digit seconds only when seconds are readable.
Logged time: 5.39
